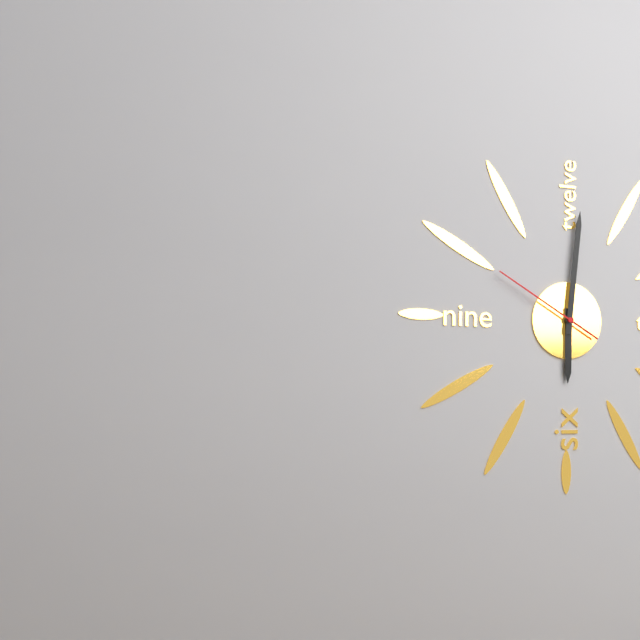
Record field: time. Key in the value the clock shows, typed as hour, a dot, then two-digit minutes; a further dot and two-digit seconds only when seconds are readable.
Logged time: 6.01.50
